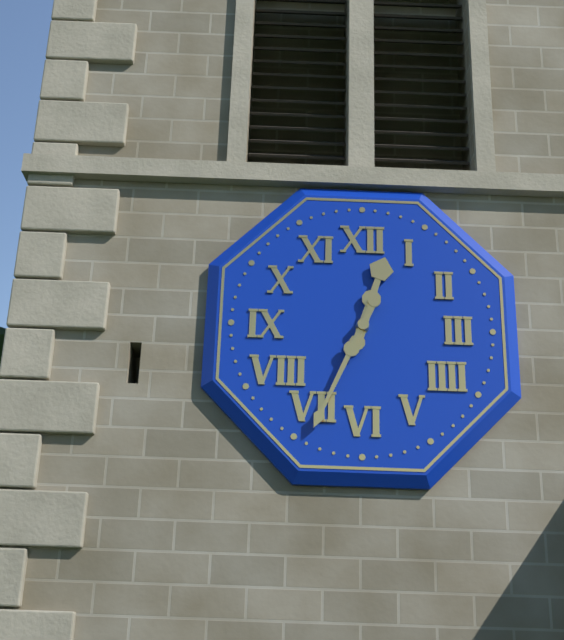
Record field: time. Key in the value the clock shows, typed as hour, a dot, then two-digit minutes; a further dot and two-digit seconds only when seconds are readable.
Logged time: 12.34
